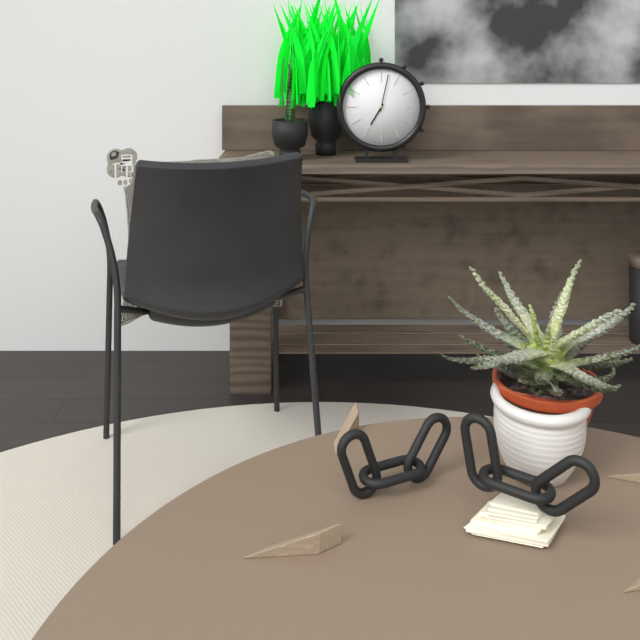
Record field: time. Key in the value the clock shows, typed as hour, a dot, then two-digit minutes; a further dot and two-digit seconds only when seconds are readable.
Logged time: 7.02
